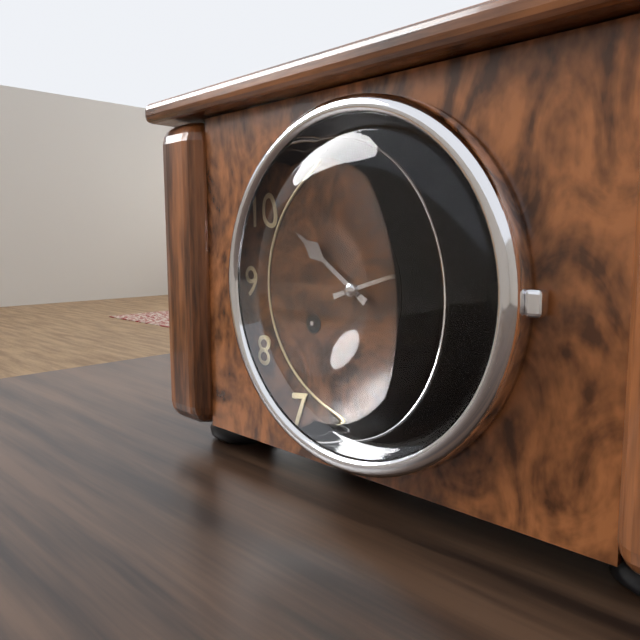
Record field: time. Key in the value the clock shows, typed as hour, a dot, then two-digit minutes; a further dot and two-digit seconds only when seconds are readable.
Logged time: 10.12
